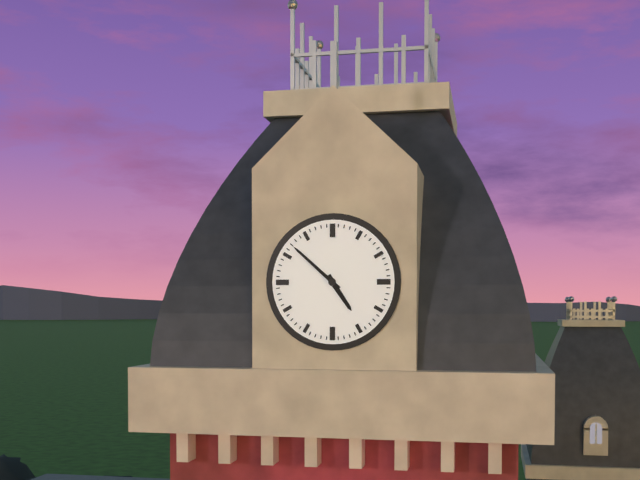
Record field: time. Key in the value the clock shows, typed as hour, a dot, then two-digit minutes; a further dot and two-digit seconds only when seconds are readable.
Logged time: 4.52
